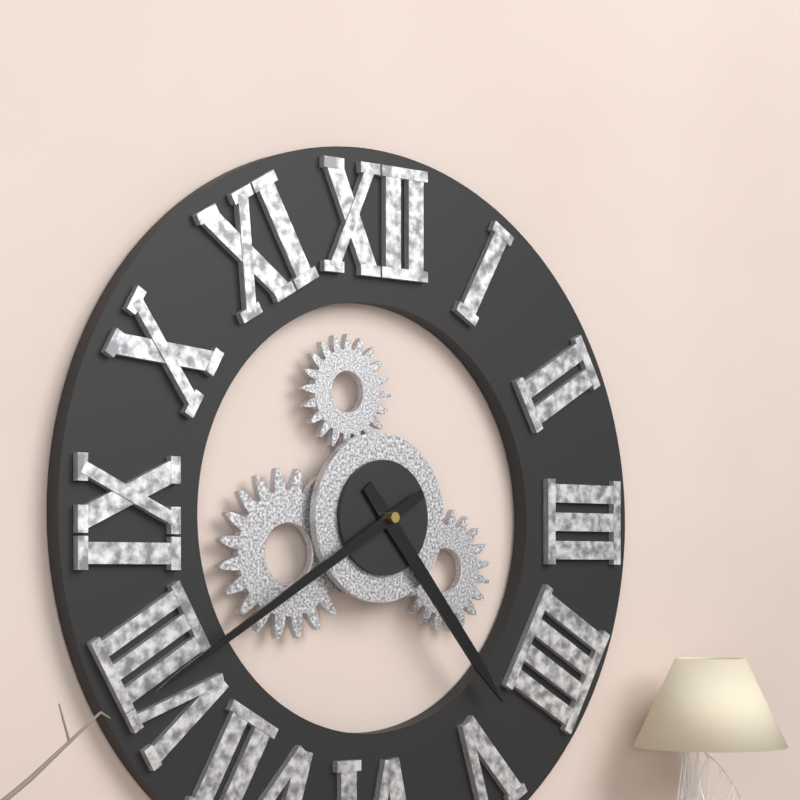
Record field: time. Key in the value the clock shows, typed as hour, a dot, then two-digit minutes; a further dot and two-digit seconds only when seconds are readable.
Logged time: 4.40
